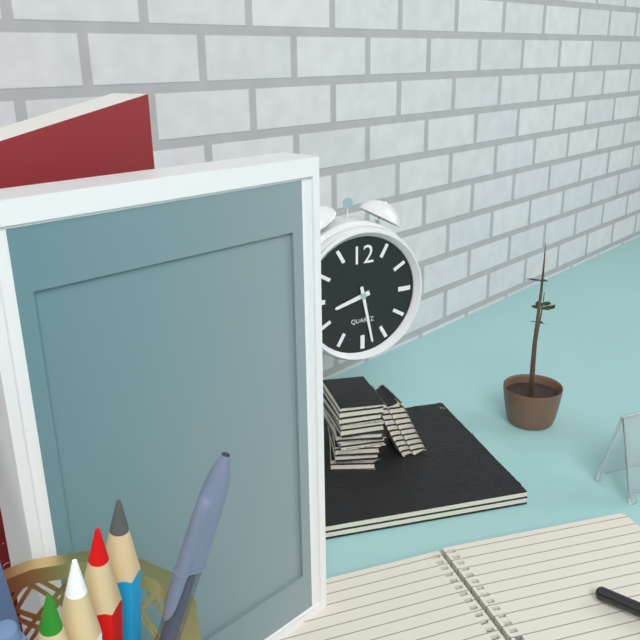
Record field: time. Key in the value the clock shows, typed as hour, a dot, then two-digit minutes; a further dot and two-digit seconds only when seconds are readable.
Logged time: 8.28
